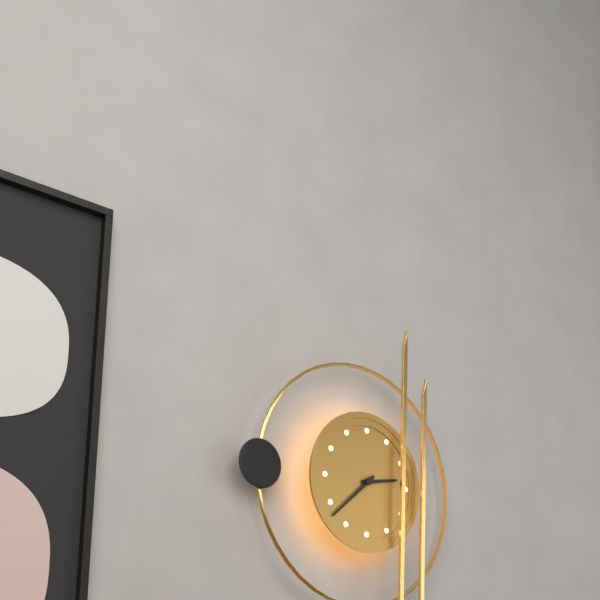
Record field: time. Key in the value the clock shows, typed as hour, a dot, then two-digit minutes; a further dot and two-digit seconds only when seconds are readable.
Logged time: 2.38
